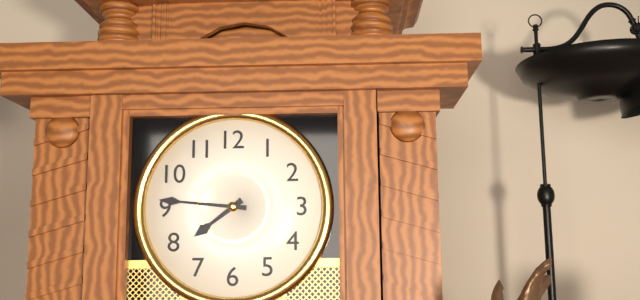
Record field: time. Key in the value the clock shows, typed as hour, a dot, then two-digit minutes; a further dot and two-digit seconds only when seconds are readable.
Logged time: 7.46
